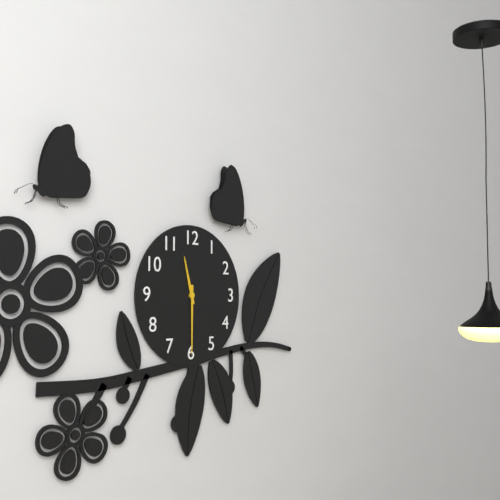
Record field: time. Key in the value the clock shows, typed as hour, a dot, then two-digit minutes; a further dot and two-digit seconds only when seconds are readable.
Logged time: 11.30
